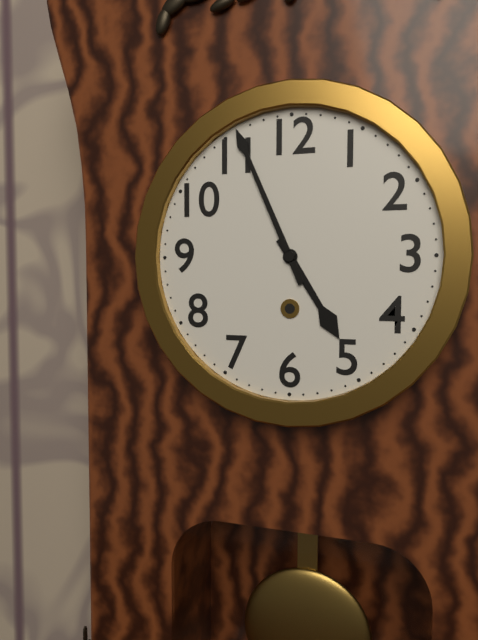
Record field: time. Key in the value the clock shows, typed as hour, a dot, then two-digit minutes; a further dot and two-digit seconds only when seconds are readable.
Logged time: 4.56
